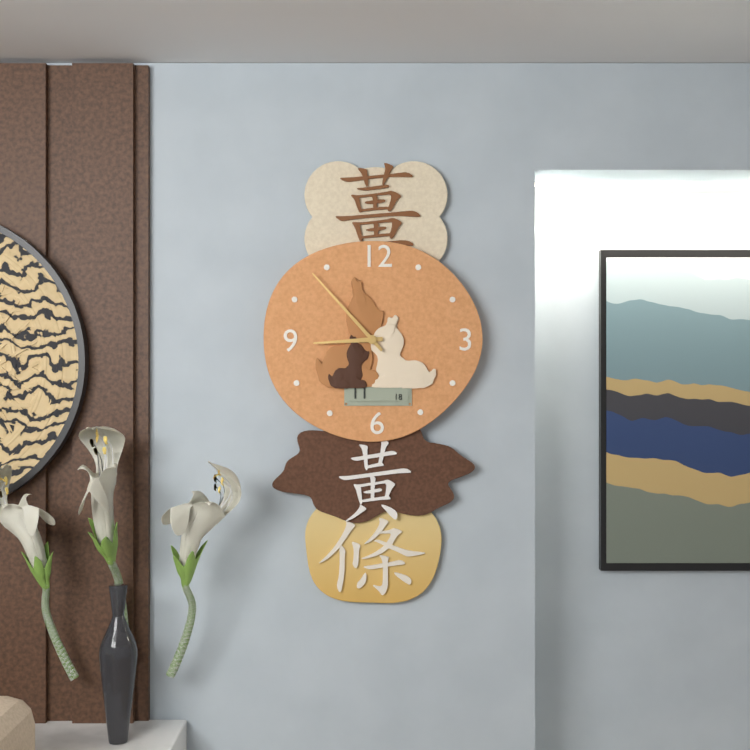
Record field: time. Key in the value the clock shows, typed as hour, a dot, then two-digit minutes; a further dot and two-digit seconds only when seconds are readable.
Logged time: 8.53
